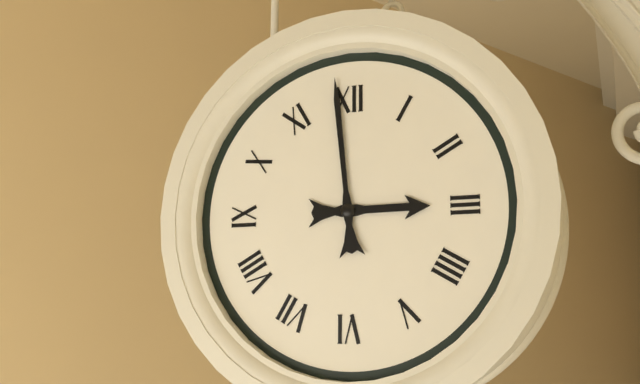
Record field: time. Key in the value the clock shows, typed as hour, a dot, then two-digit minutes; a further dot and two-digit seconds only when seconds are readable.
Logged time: 2.59
